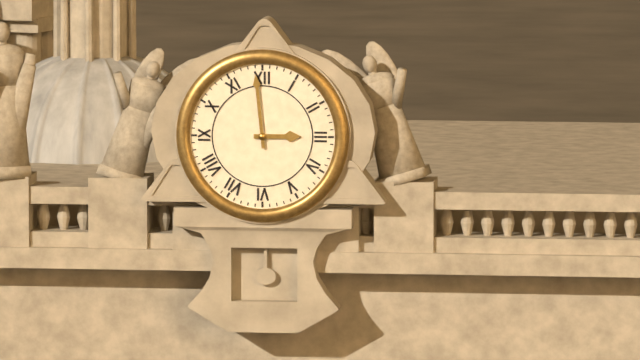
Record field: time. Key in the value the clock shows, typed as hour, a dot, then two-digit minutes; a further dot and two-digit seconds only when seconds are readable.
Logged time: 2.59
